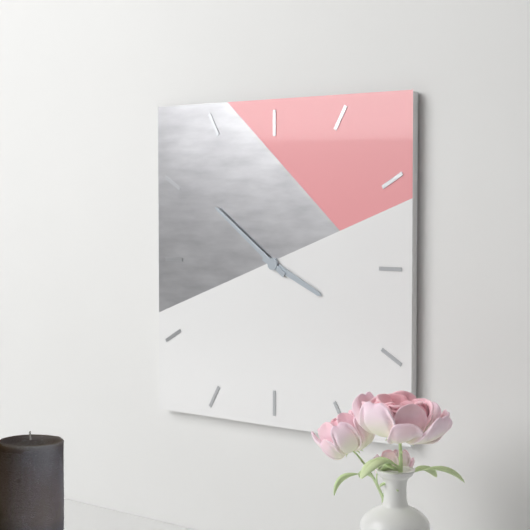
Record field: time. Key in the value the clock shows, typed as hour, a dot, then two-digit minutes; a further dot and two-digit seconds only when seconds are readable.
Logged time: 3.51
